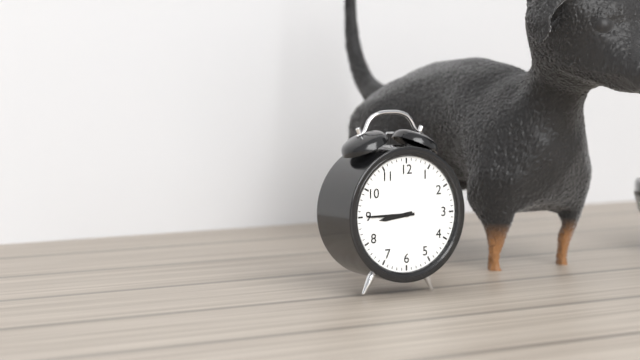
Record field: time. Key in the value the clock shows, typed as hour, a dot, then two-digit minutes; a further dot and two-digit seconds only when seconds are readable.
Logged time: 8.45
